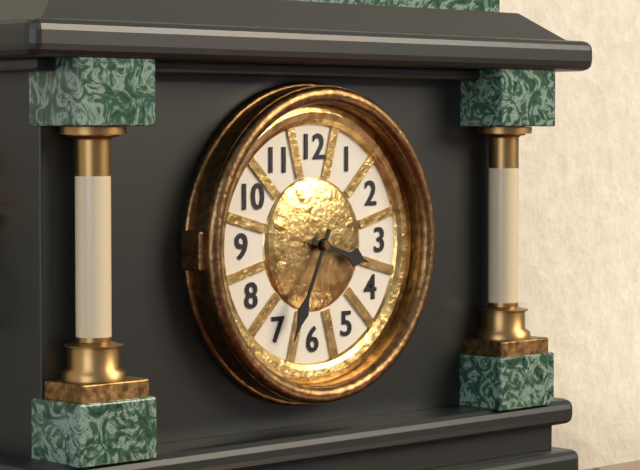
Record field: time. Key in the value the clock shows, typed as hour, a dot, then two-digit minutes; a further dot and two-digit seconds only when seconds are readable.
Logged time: 3.34
